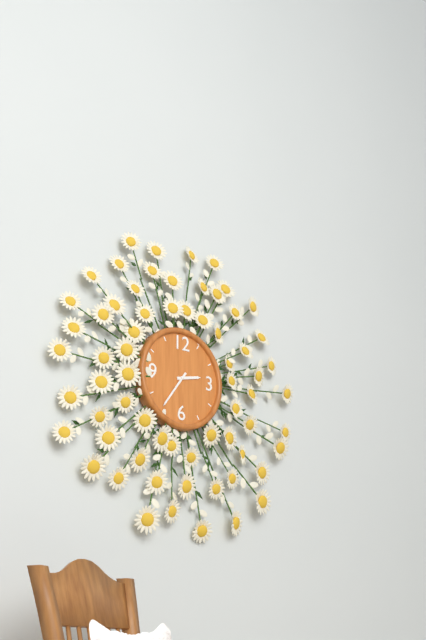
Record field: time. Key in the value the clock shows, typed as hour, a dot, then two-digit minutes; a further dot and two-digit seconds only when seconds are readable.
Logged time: 2.36
